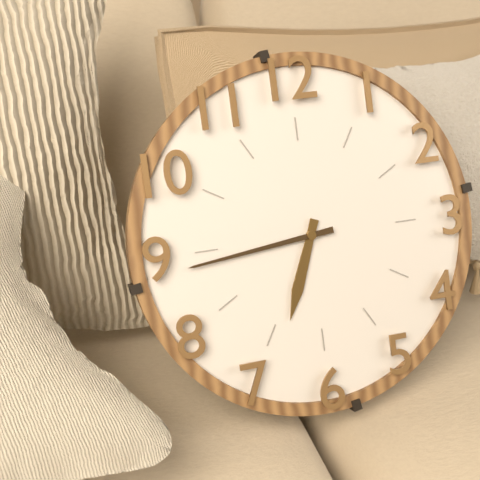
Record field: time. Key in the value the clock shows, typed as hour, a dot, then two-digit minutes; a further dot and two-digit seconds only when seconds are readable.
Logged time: 6.44
